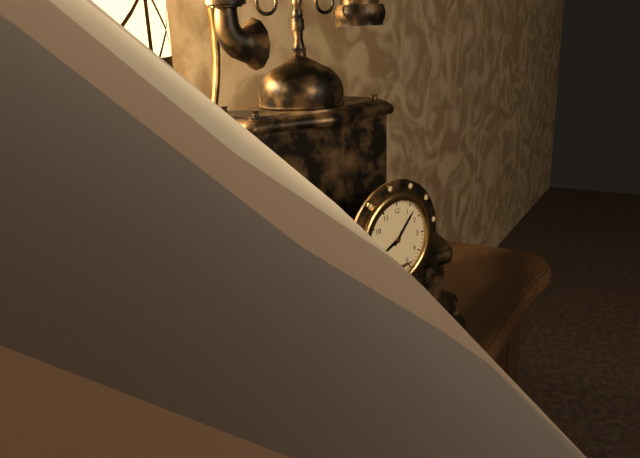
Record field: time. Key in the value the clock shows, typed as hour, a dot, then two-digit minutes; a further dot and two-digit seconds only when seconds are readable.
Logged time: 8.07
